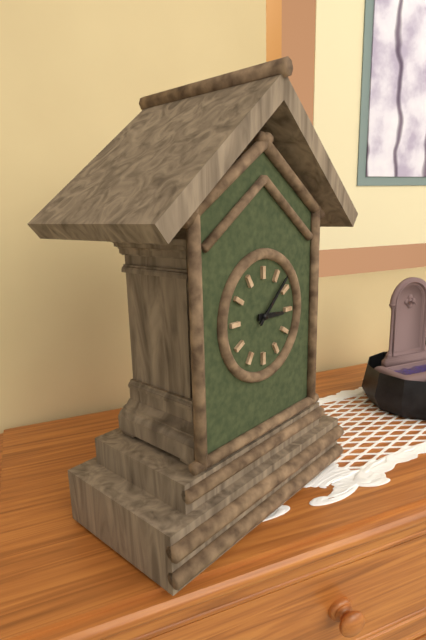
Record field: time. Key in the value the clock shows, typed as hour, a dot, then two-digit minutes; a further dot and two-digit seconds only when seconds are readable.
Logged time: 3.08
